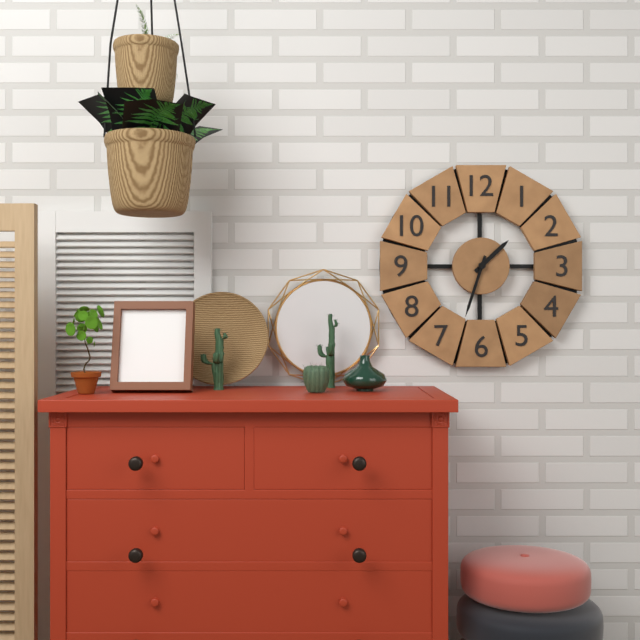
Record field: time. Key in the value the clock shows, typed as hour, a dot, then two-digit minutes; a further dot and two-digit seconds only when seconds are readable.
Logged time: 1.33
